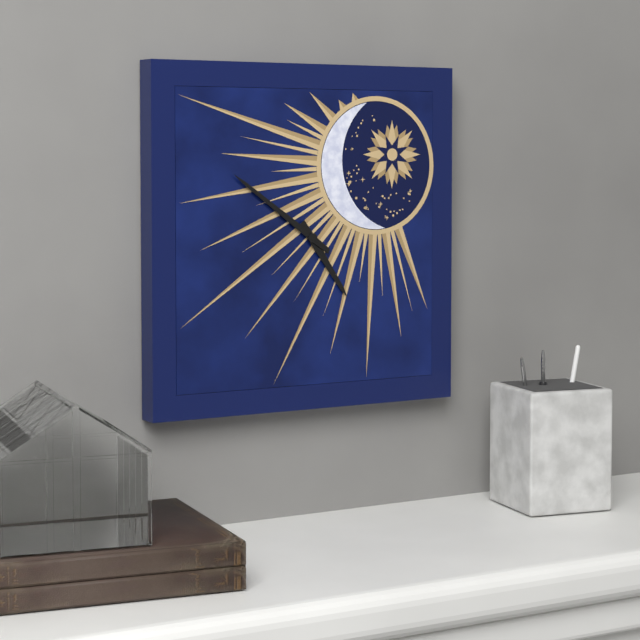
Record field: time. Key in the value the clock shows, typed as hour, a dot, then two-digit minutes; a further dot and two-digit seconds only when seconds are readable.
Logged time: 4.51
